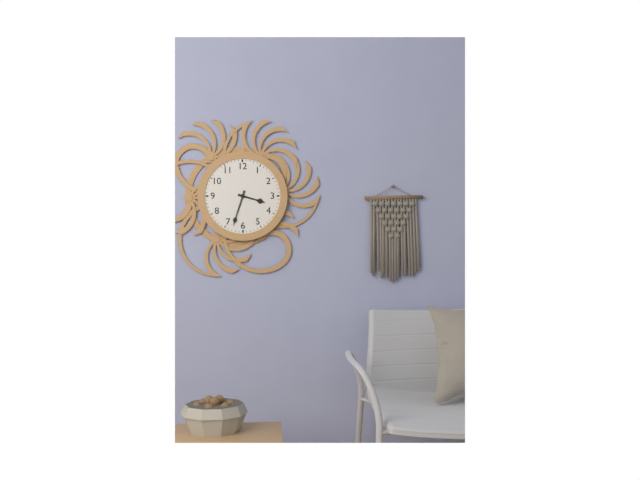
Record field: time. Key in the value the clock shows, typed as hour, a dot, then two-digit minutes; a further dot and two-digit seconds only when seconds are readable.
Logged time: 3.33
